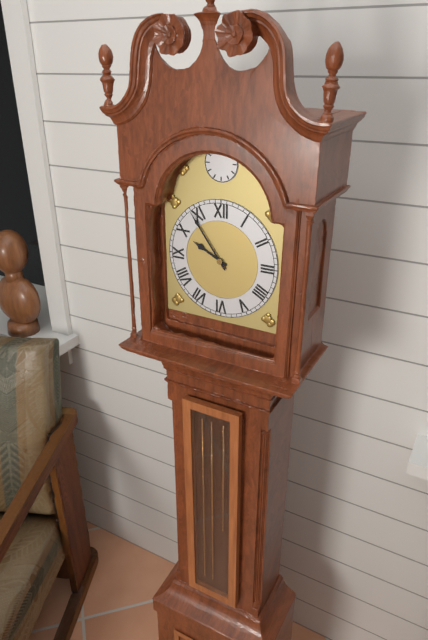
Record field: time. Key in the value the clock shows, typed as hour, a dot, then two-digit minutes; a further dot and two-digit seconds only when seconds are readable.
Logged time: 9.54
